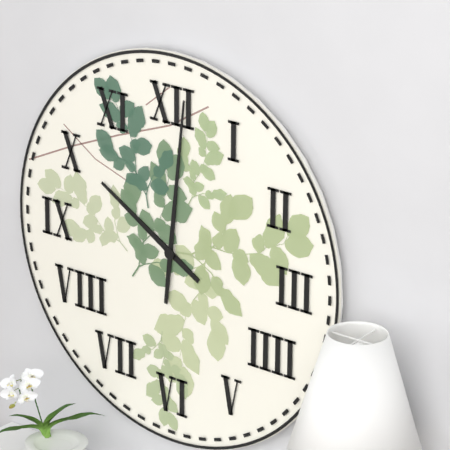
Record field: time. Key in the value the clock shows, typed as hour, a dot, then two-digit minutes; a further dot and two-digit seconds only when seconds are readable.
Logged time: 10.01
